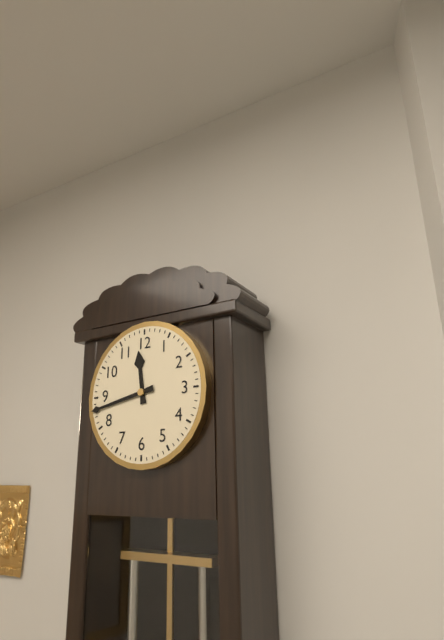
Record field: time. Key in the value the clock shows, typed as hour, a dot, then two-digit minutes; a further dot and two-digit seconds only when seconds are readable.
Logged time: 11.43
